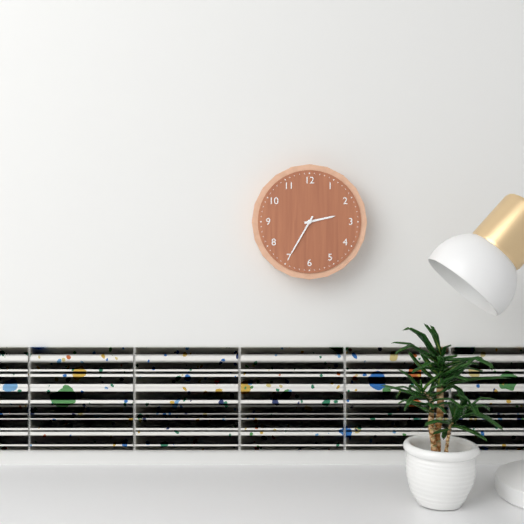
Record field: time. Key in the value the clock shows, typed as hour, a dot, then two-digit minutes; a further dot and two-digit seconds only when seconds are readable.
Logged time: 2.35
